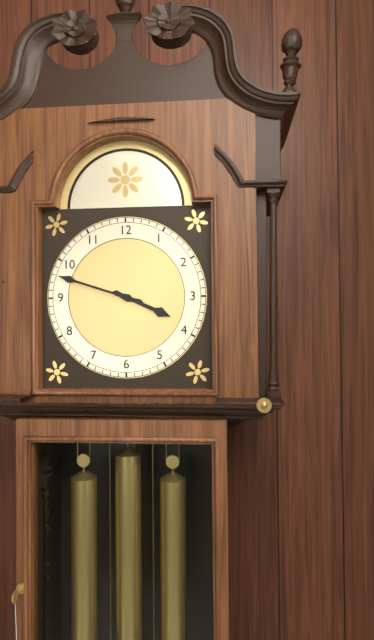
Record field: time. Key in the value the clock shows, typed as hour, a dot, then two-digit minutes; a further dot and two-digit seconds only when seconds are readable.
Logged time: 3.48
